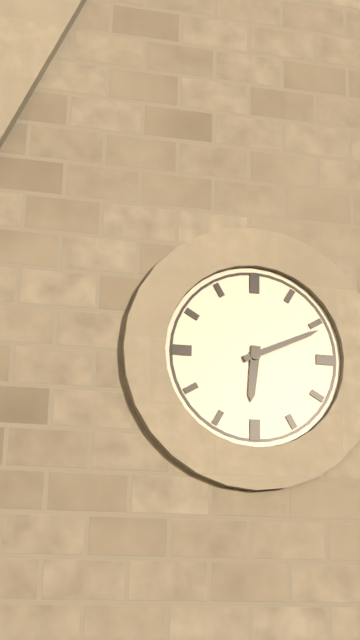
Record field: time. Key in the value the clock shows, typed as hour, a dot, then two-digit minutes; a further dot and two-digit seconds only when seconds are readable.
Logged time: 6.11
